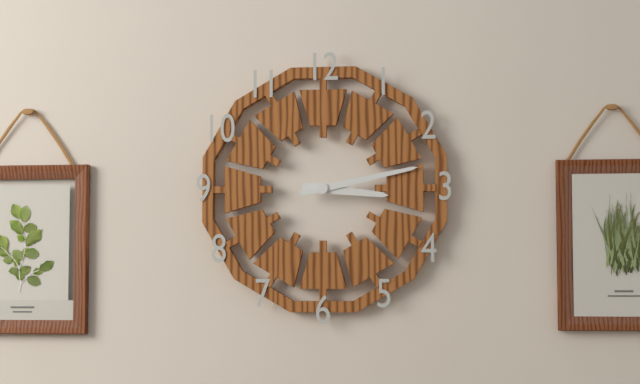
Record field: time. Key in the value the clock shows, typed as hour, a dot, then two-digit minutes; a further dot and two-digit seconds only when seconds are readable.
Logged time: 3.13
